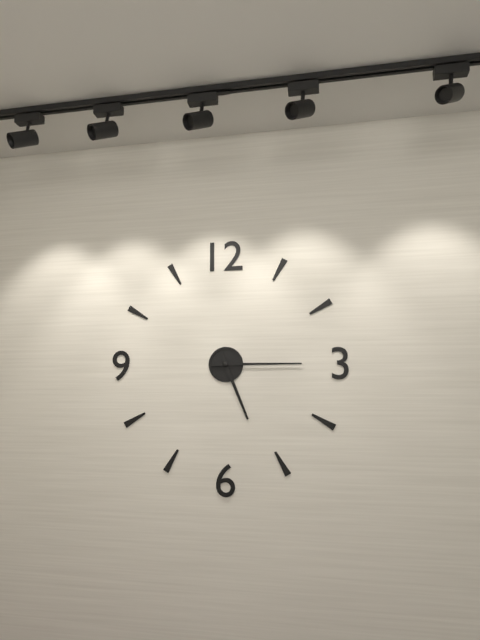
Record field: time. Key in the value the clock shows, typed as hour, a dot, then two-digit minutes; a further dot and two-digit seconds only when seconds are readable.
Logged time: 5.15
